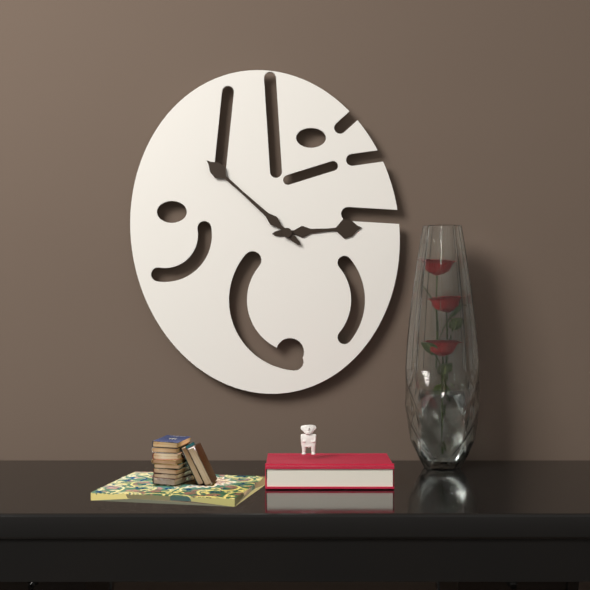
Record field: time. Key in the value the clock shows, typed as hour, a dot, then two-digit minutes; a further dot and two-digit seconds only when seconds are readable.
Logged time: 2.52
